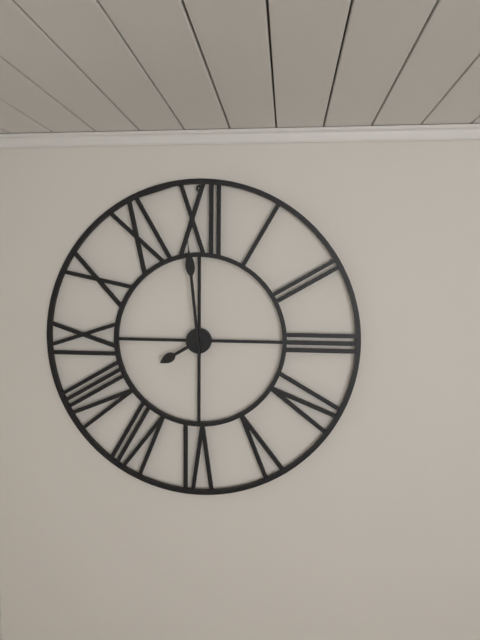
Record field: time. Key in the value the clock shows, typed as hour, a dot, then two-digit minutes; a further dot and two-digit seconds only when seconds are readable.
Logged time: 7.59
